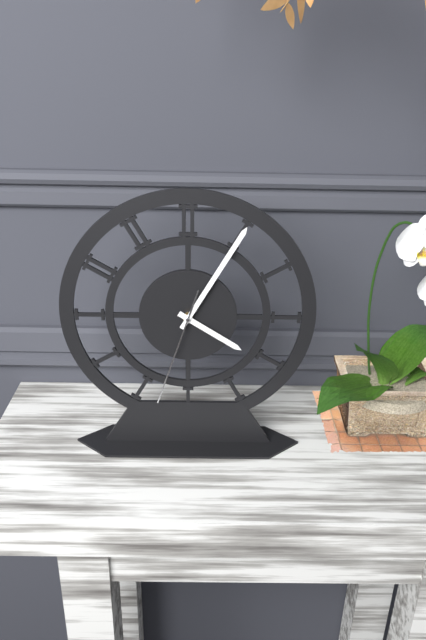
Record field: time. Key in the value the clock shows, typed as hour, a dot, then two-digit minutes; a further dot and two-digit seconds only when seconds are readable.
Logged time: 4.05.33
